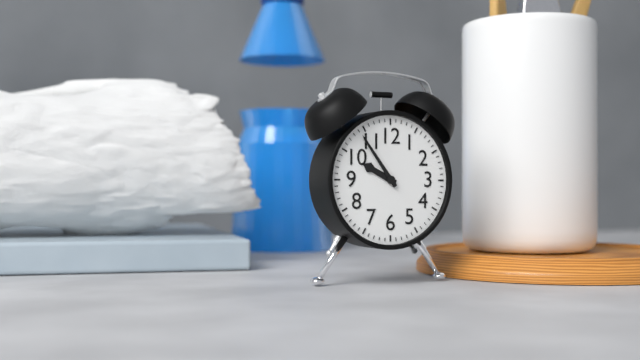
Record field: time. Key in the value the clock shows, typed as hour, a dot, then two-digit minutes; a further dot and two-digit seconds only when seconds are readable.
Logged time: 9.54
